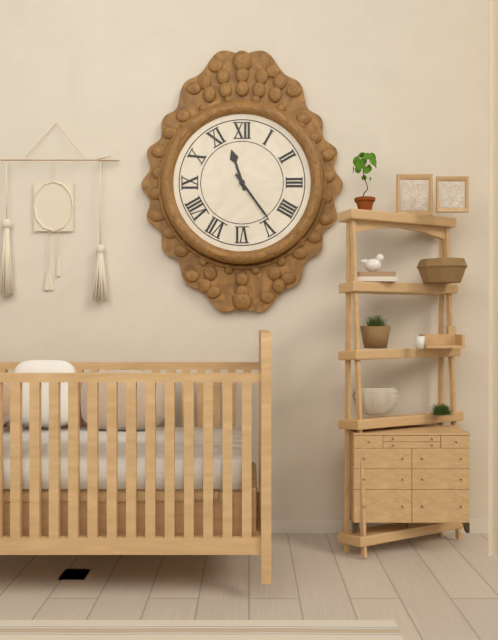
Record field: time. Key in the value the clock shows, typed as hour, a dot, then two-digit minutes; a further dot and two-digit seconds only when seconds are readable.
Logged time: 11.24
